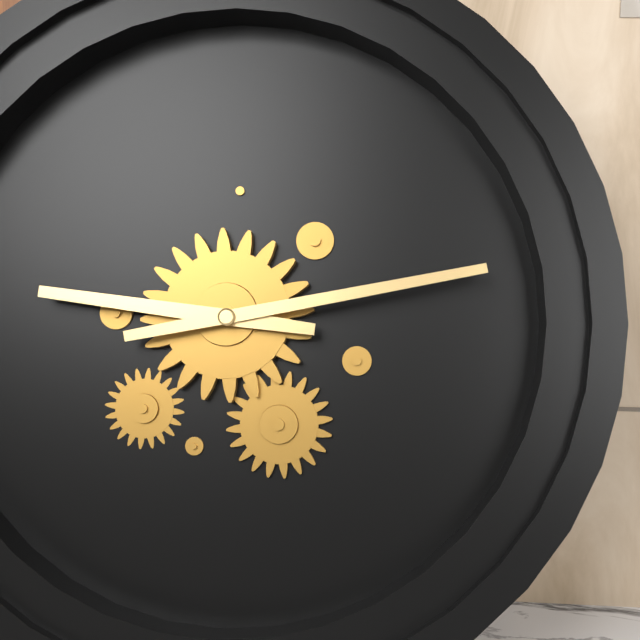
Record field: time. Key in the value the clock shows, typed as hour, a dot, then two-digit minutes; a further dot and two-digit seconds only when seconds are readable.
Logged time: 9.13
